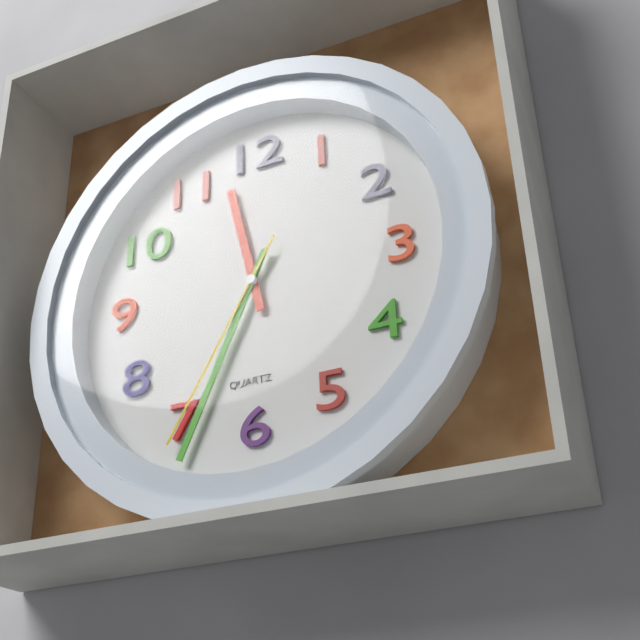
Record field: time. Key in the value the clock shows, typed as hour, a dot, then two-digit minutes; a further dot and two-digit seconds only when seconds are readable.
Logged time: 11.34.35
